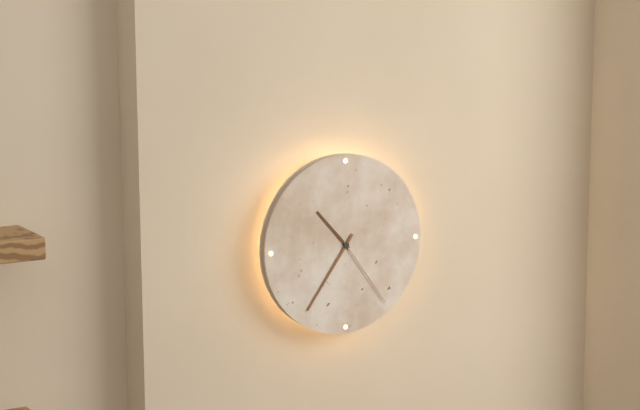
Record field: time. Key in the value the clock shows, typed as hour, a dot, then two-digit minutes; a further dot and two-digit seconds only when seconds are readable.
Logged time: 10.36.24
